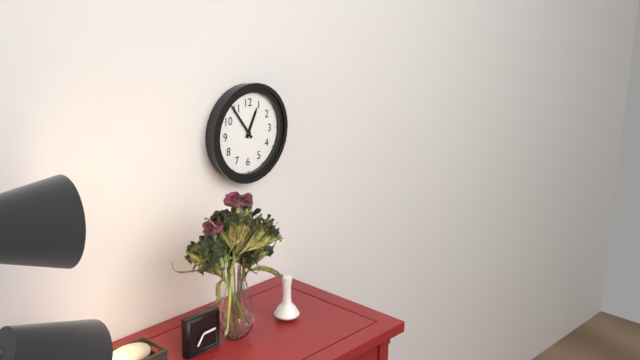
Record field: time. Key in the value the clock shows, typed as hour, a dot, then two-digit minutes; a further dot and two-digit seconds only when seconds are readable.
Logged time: 12.54
